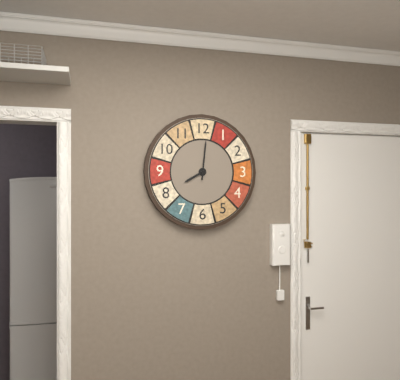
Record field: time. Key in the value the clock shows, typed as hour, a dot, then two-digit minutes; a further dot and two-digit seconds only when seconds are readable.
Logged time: 8.01
